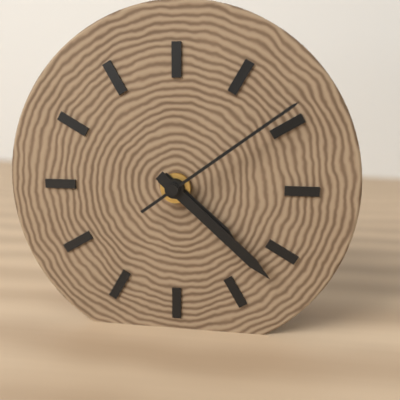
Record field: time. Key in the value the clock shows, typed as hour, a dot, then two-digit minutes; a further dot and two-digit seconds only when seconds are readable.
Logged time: 4.22.09
